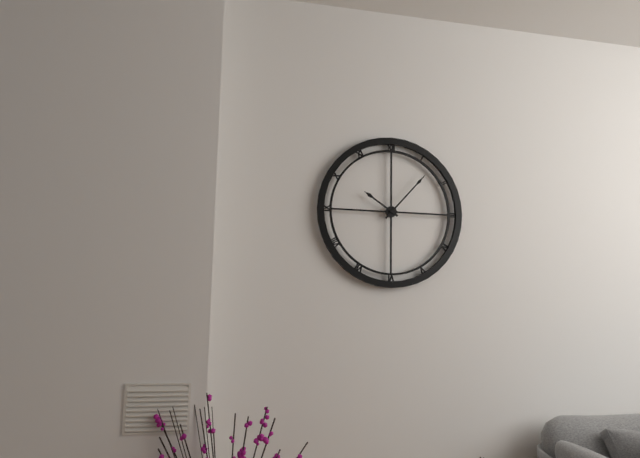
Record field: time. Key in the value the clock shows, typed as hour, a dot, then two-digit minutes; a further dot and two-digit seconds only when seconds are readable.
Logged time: 10.07
